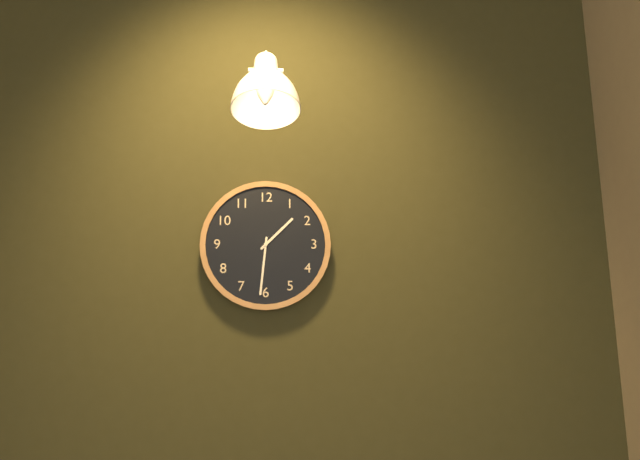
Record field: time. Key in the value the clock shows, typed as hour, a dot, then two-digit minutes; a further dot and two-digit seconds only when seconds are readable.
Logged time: 1.31
